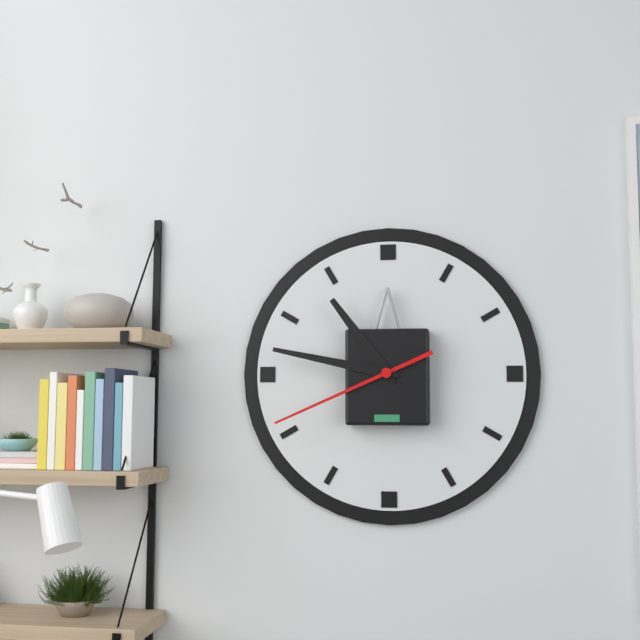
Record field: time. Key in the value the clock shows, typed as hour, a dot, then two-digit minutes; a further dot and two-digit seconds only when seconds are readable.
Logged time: 10.47.41
